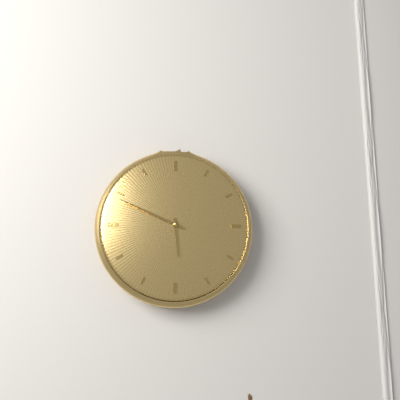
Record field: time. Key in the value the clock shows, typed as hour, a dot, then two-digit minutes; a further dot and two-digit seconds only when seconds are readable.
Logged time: 5.49
